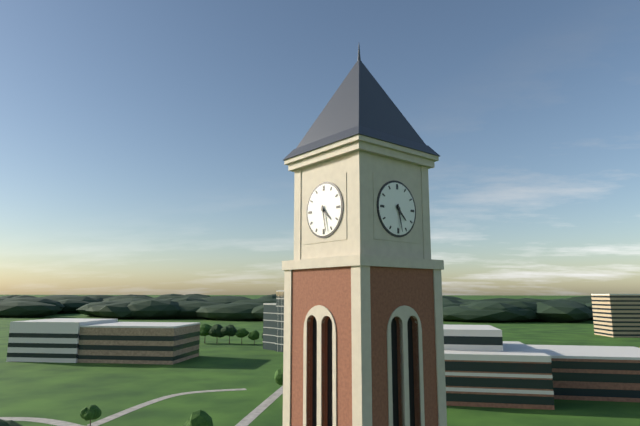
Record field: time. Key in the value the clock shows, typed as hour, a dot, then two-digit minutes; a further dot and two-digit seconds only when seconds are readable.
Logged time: 4.28
